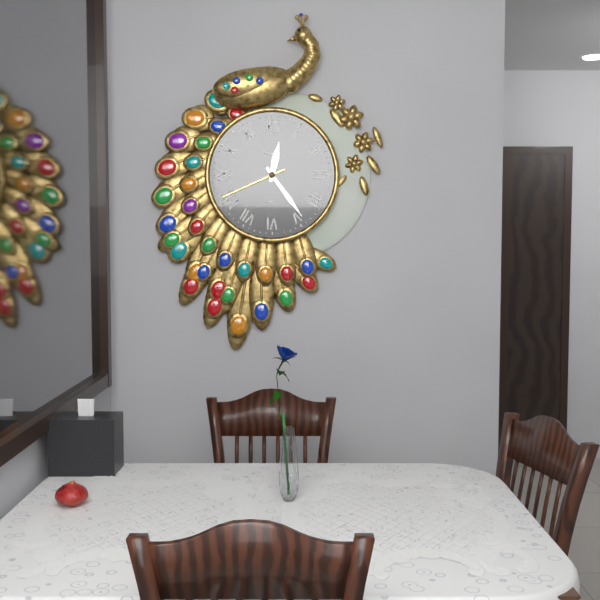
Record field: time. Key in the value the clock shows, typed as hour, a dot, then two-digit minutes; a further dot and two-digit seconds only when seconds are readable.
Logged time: 12.24.41
